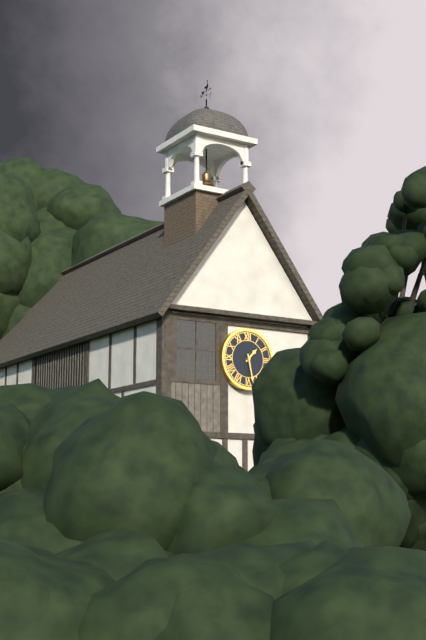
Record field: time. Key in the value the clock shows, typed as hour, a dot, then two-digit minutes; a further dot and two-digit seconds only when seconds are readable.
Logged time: 1.28
